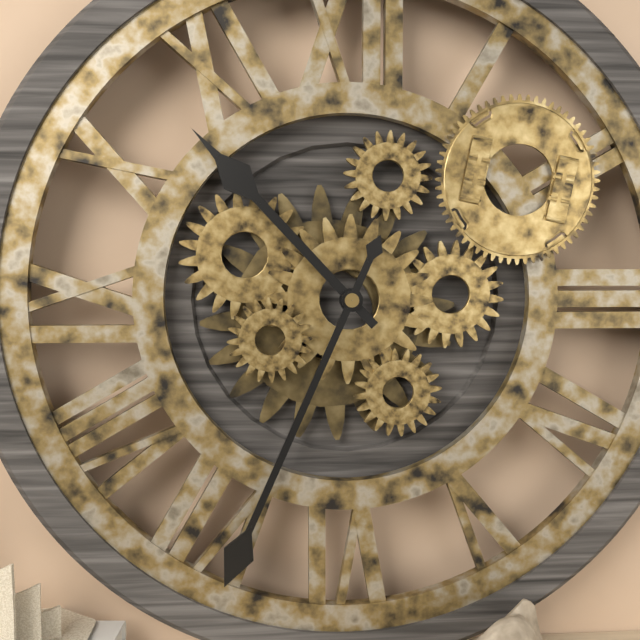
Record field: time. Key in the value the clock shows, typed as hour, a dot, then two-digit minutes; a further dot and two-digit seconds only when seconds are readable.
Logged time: 10.34
